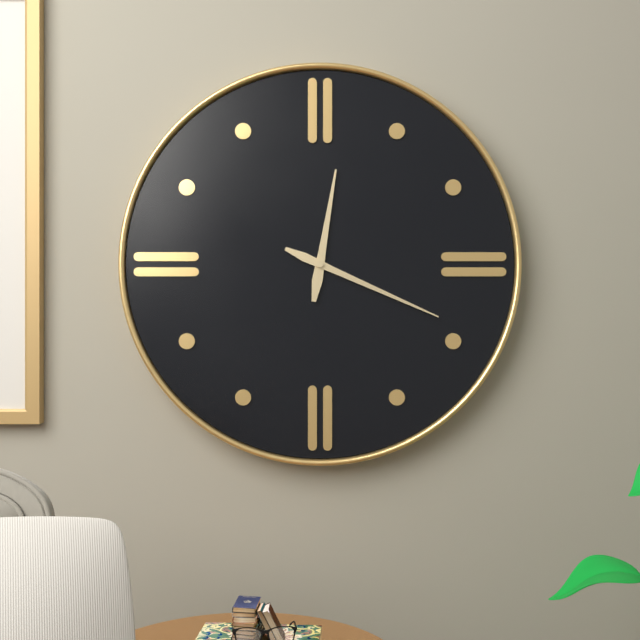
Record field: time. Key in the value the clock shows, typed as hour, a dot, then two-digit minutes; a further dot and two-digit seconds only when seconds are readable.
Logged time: 12.19
